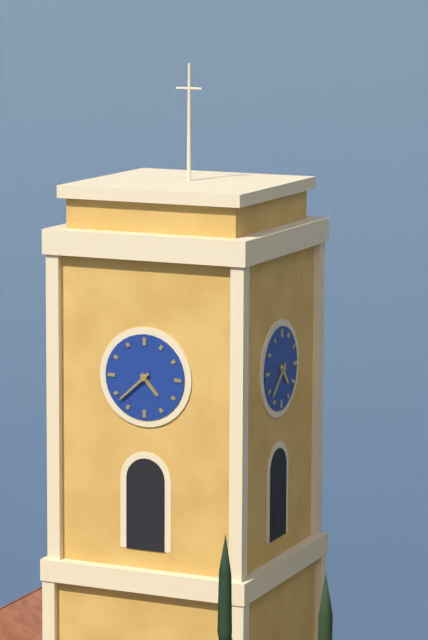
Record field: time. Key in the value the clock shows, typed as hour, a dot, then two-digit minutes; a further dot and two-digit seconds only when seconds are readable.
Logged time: 4.38
